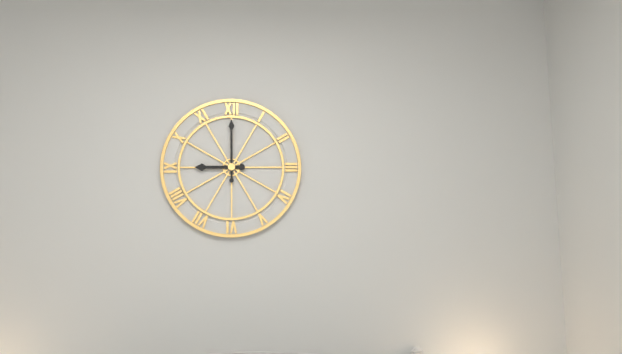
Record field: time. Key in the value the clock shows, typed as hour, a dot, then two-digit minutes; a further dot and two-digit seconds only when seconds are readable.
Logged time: 9.00
